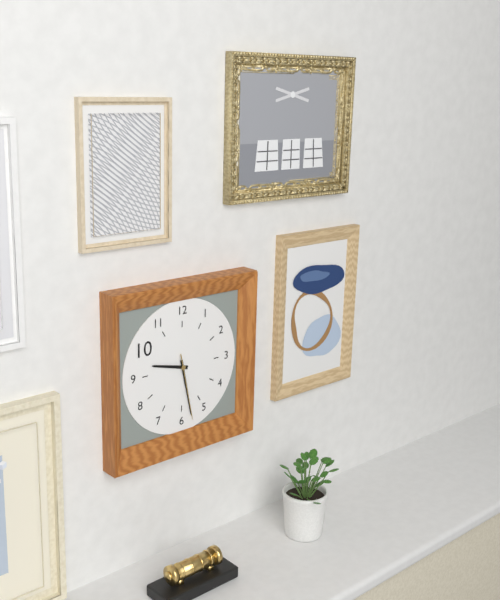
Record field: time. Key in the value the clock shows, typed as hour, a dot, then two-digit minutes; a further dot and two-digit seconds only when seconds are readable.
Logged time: 9.28.28
